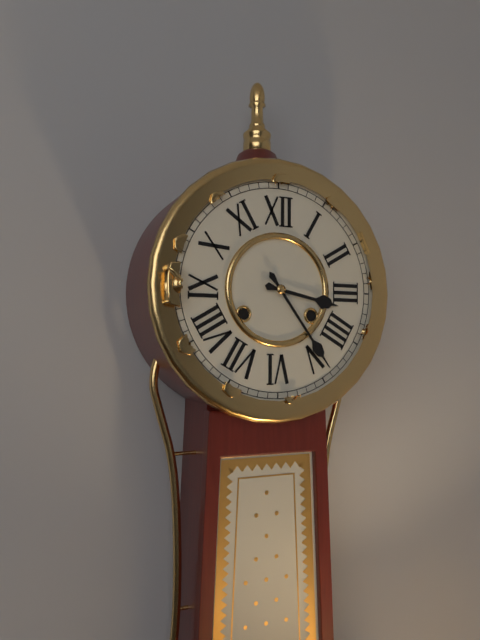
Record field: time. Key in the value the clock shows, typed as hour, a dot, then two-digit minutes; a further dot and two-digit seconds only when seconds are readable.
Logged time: 3.24
